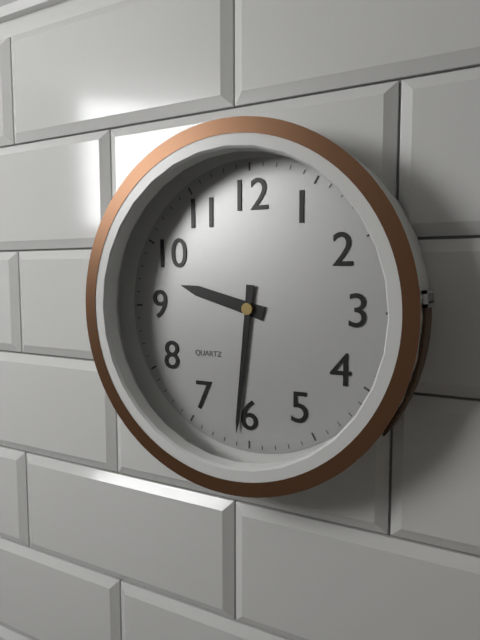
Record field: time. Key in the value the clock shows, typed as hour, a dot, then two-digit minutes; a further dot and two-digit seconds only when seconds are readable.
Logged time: 9.31
